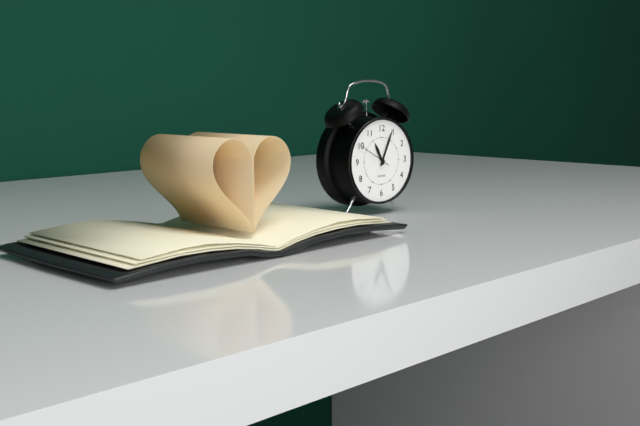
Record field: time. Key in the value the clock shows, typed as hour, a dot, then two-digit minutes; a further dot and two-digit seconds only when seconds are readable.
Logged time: 11.04
